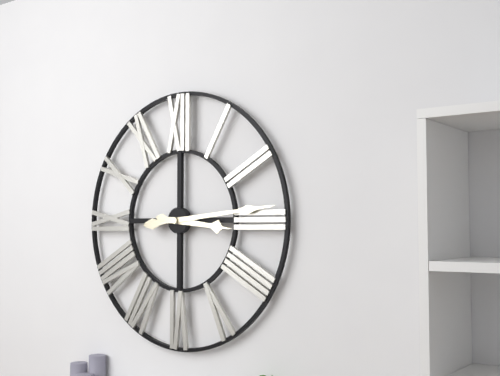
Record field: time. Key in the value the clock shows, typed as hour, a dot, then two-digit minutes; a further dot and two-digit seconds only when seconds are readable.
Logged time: 3.14
